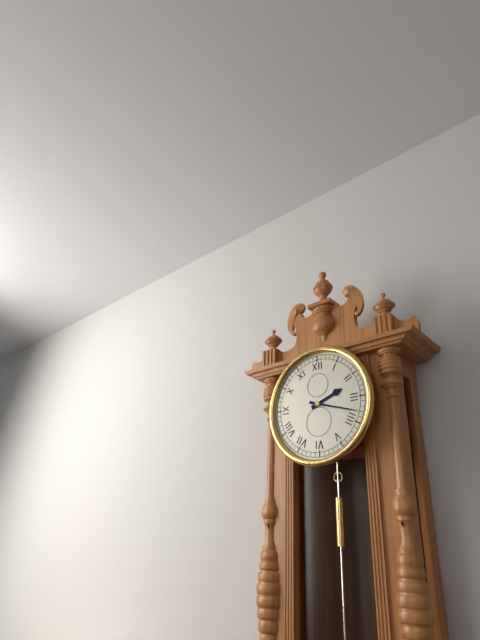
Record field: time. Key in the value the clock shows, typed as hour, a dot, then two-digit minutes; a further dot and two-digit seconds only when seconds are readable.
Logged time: 2.18
